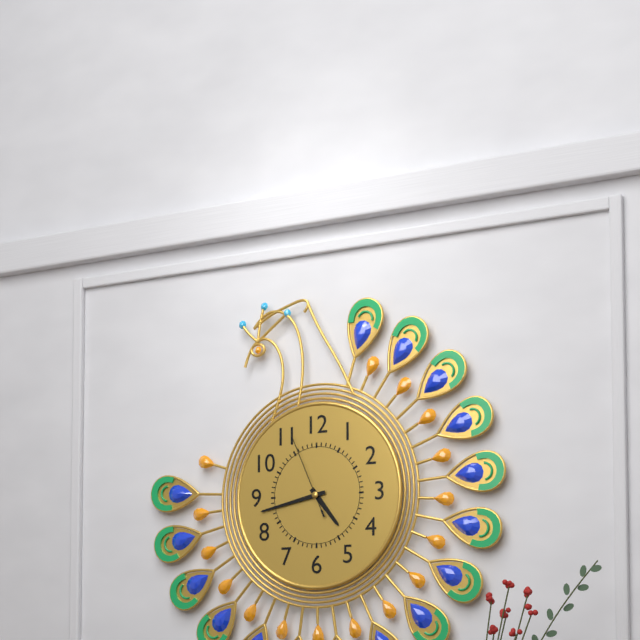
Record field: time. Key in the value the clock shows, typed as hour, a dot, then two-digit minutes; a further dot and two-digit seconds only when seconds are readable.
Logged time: 4.43.56
